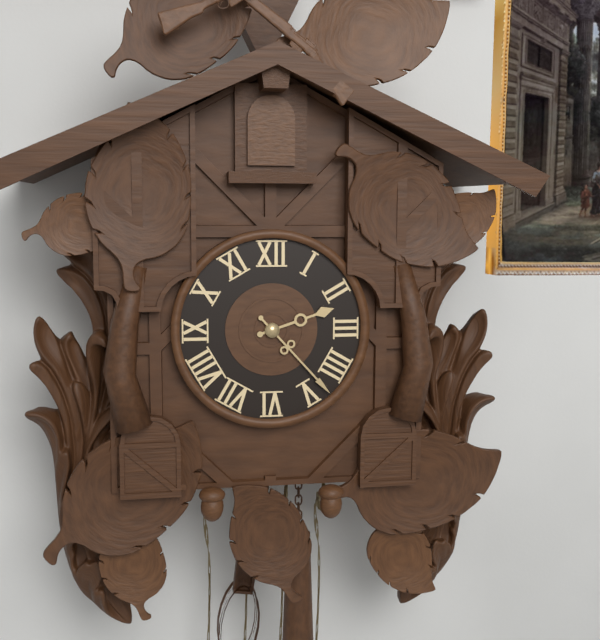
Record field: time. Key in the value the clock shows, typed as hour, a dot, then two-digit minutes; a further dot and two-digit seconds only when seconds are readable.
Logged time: 2.23
